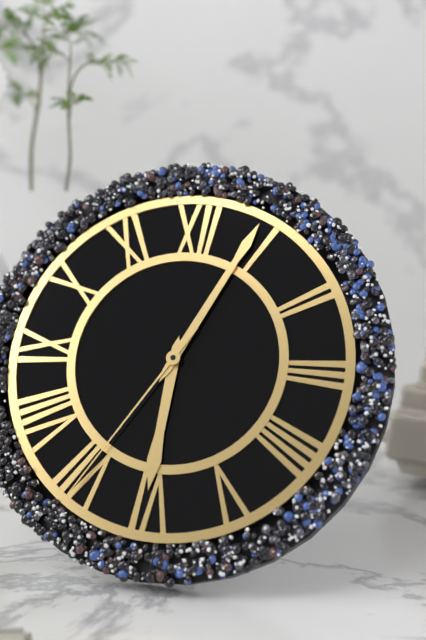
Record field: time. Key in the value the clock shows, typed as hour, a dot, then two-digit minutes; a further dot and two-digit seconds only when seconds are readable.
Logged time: 6.04.35
